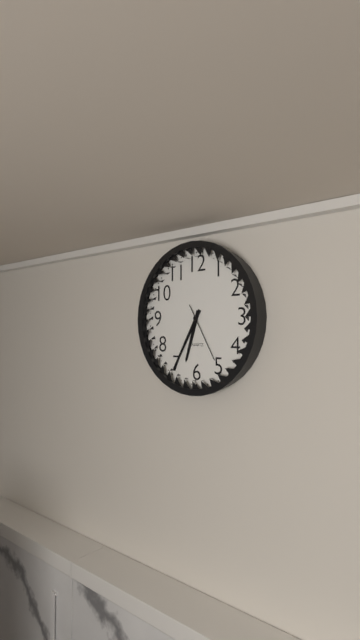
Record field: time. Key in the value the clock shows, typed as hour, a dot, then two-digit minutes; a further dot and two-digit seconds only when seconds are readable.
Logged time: 6.35.25
